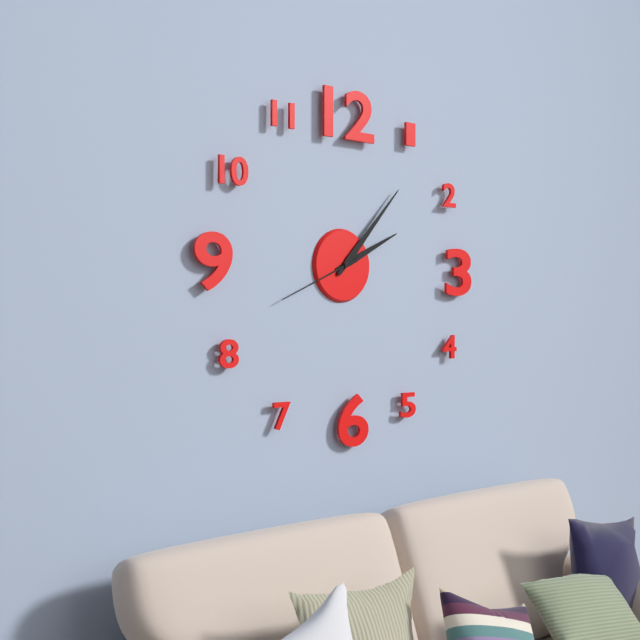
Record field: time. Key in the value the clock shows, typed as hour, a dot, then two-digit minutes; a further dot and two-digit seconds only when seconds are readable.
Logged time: 2.07.41
